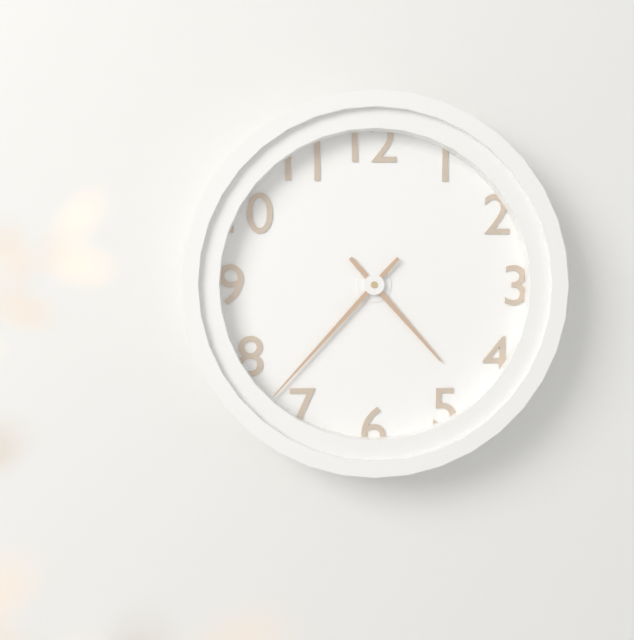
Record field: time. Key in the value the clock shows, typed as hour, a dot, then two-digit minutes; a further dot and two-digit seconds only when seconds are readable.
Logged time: 4.37
